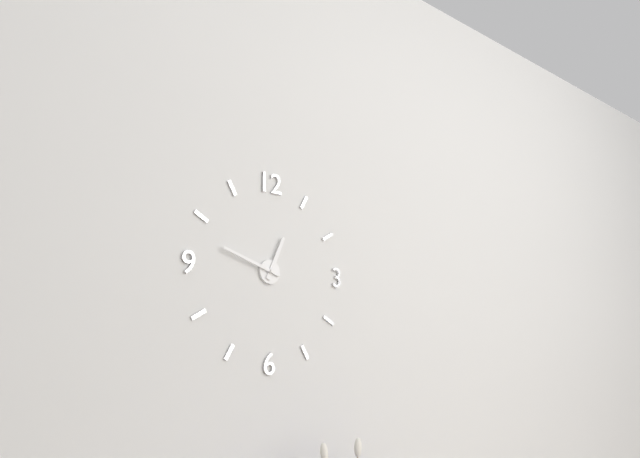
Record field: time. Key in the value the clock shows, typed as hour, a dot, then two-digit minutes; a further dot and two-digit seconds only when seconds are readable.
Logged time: 12.48
